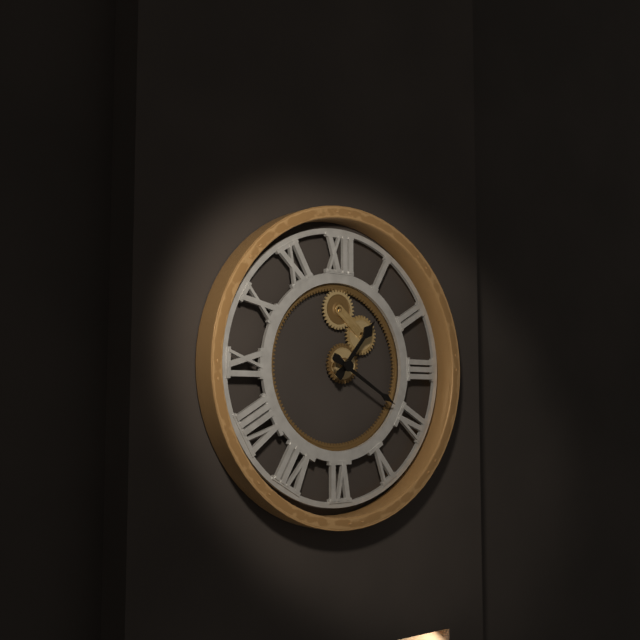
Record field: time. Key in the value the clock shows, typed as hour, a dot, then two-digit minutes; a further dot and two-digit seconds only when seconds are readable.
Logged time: 1.20
